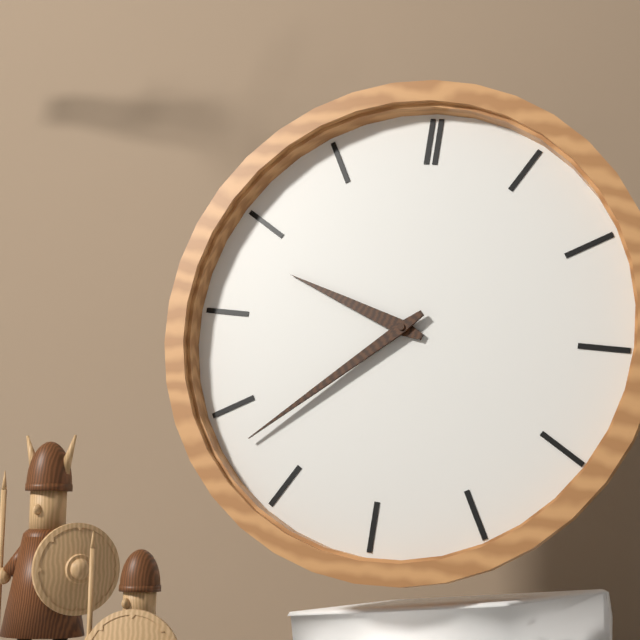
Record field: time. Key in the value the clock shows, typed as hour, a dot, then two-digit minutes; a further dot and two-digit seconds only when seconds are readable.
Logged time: 9.38
